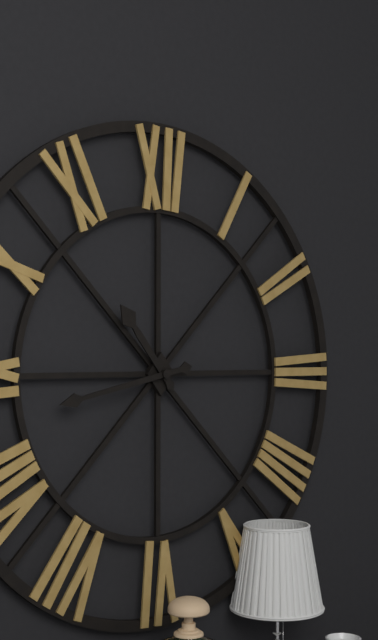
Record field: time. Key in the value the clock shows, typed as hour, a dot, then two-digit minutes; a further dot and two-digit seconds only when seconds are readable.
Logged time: 10.43
